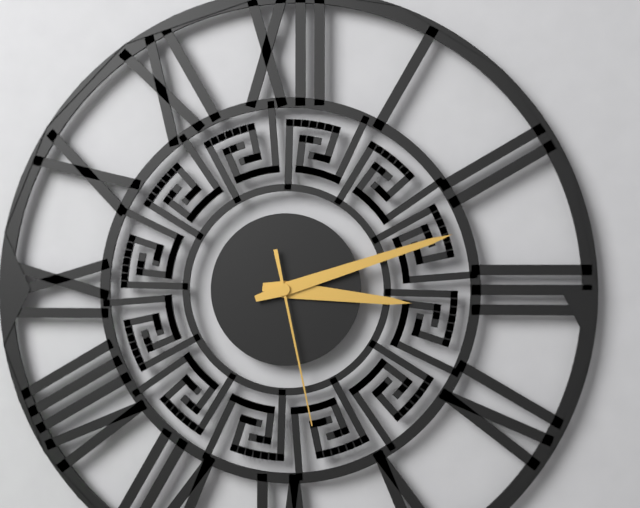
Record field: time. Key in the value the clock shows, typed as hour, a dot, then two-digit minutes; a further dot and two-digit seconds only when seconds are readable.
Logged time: 3.12.28
